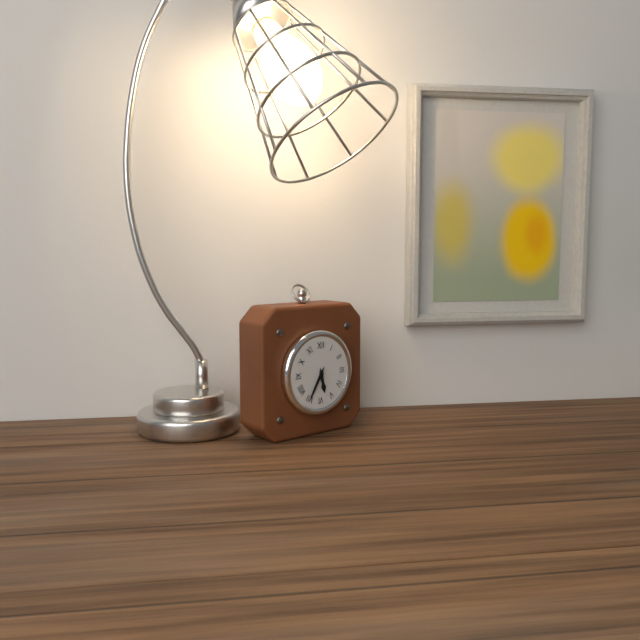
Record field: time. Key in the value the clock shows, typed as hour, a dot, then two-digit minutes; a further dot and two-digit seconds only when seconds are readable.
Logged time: 5.35
